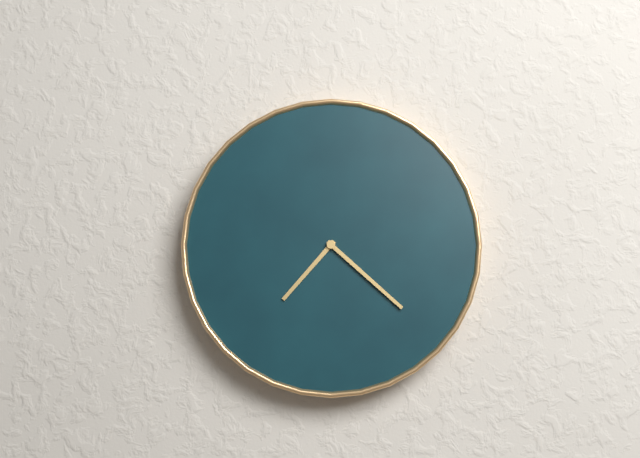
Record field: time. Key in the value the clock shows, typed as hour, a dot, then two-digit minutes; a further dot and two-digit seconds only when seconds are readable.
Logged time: 7.22
